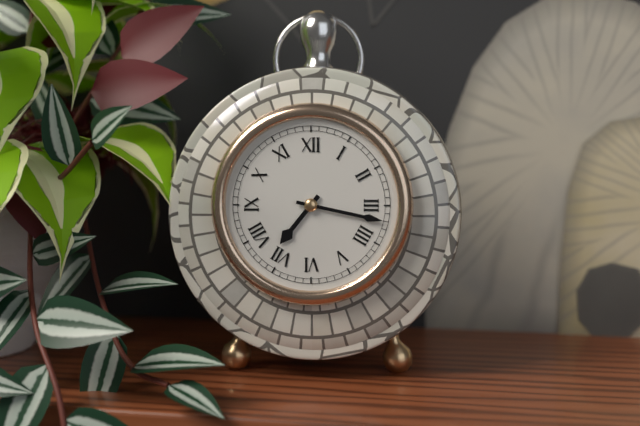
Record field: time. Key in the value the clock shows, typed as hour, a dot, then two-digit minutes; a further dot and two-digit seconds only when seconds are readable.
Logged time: 7.17
